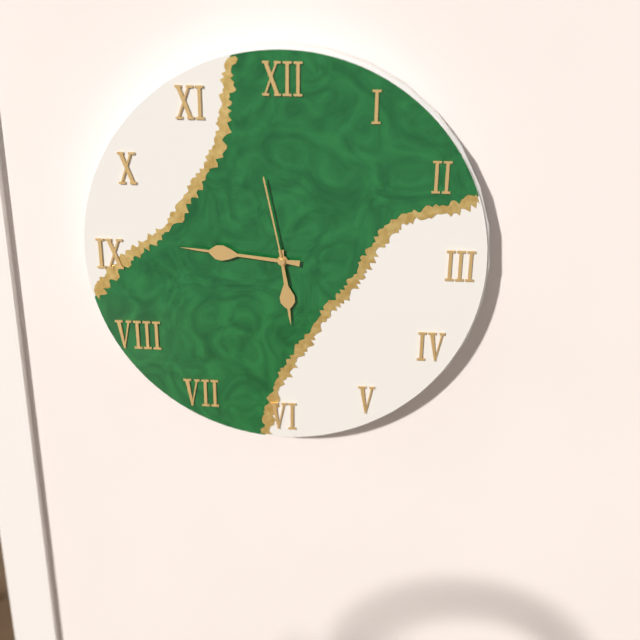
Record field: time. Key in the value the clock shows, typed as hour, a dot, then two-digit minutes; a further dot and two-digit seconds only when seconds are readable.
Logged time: 5.46.58
